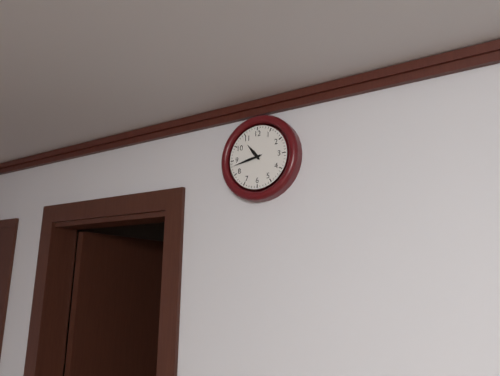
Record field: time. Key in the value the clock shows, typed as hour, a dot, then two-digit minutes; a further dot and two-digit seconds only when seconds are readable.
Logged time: 10.43
